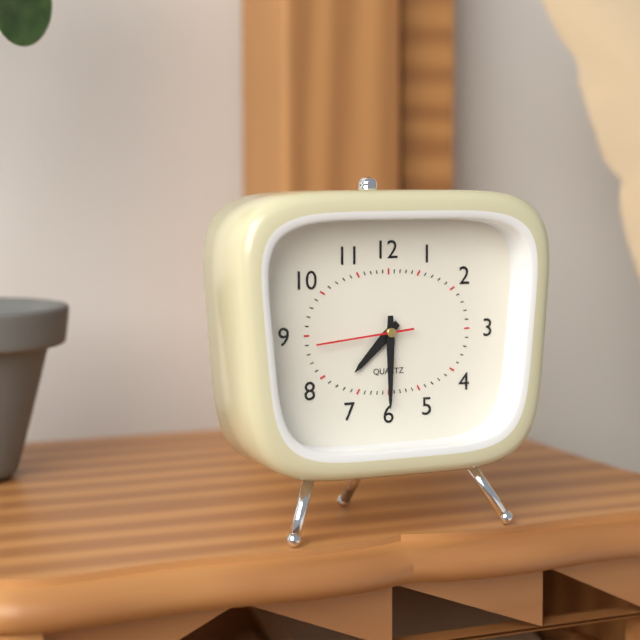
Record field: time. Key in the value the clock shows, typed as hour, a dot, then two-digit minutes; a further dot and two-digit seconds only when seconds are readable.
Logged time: 7.30.44
